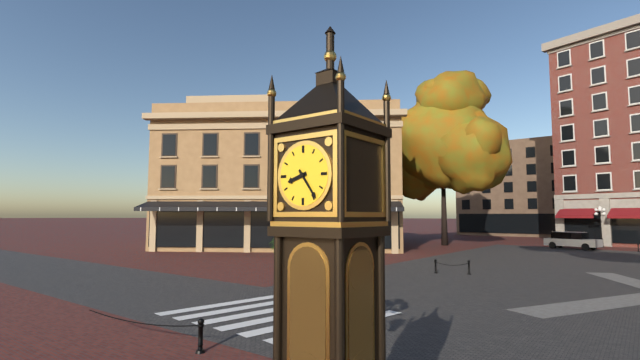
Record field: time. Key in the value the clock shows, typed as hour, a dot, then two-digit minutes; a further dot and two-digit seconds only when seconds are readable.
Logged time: 8.24
